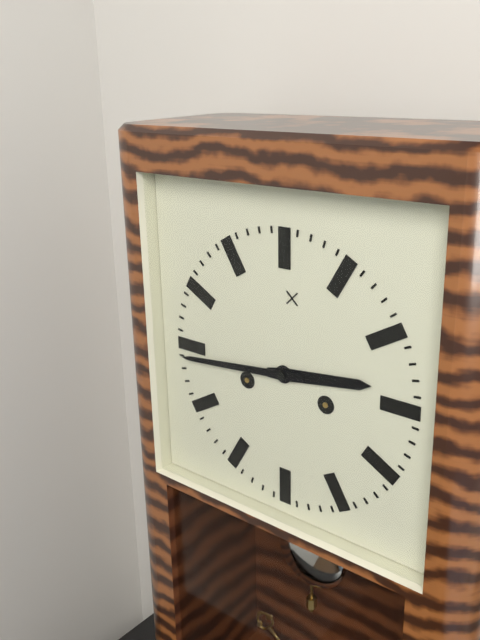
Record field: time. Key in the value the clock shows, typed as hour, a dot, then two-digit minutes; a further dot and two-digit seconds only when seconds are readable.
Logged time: 2.44
